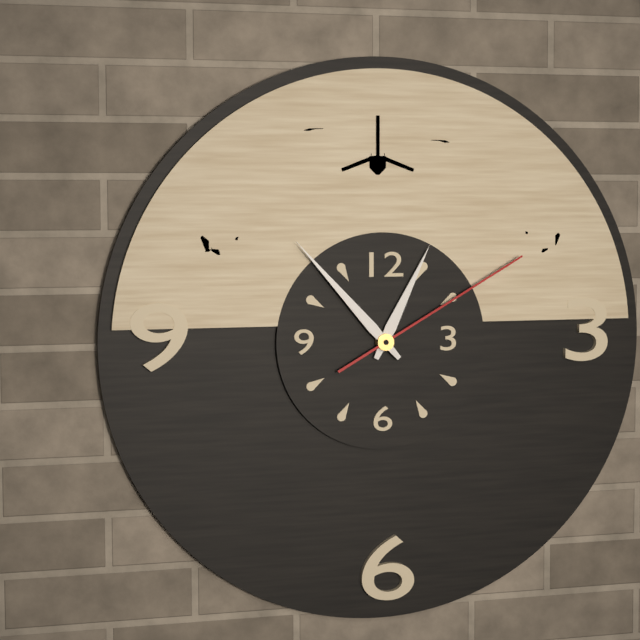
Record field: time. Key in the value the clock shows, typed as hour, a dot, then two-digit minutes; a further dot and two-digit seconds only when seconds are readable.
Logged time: 12.53.10
